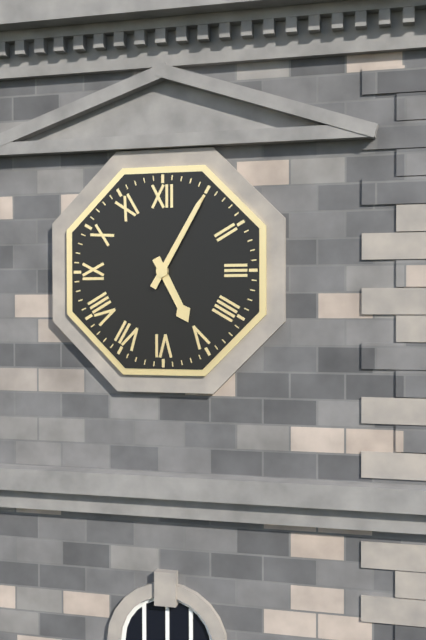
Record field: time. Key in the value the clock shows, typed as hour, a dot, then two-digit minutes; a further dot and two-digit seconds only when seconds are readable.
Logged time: 5.05
